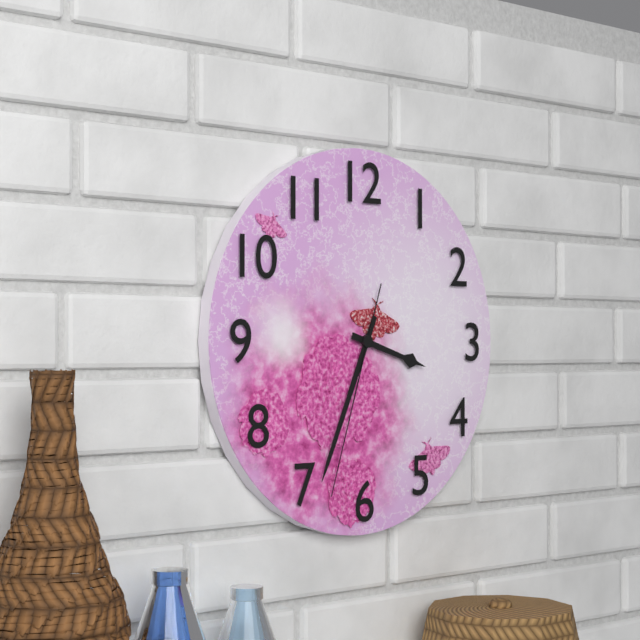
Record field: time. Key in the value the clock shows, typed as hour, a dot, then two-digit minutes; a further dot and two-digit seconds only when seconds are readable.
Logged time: 3.34.33
